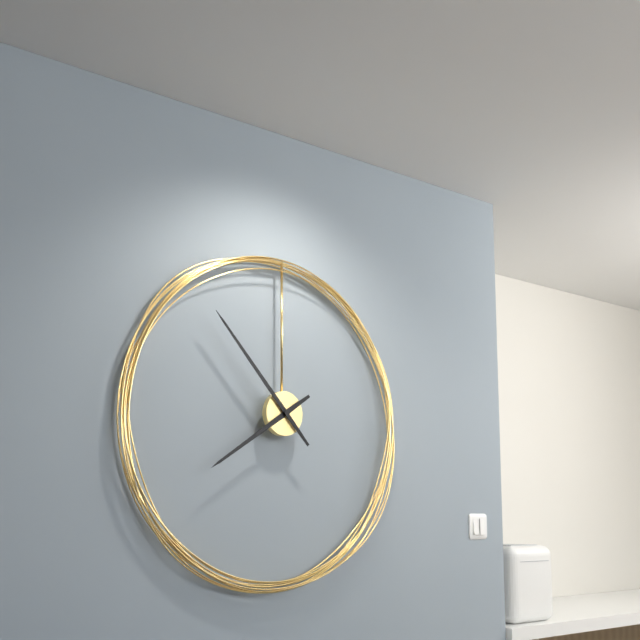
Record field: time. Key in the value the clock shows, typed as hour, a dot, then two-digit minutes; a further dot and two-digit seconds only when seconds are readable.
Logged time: 7.53
